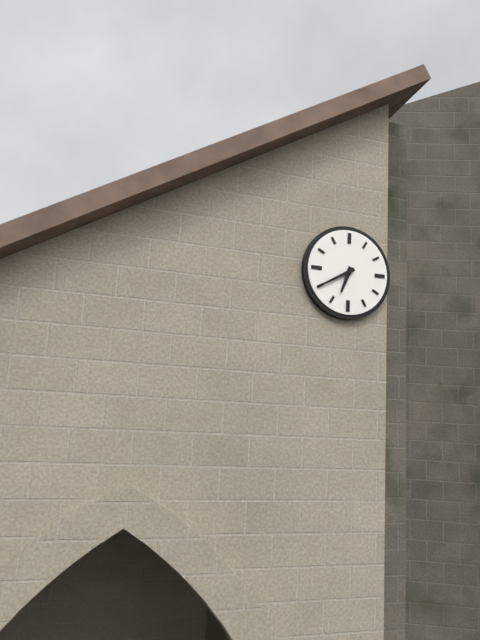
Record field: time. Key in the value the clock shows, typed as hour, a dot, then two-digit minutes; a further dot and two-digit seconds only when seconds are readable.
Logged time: 6.40
